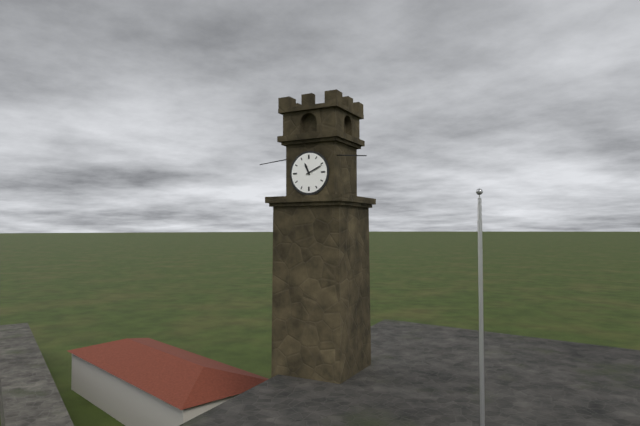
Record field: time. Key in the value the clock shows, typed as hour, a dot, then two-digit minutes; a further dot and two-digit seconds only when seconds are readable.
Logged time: 11.11
